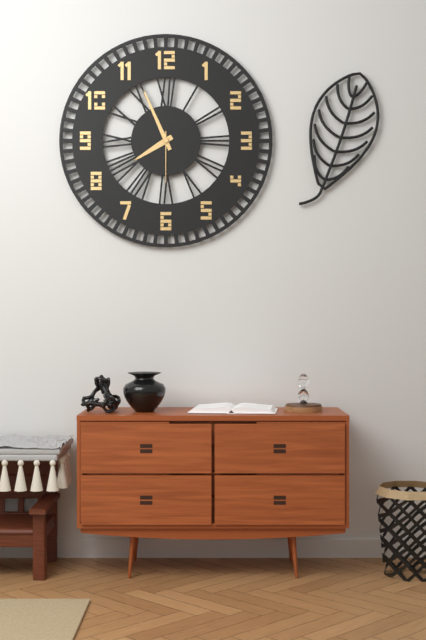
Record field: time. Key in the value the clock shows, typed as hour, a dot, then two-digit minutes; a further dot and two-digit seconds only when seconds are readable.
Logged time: 7.56.30
